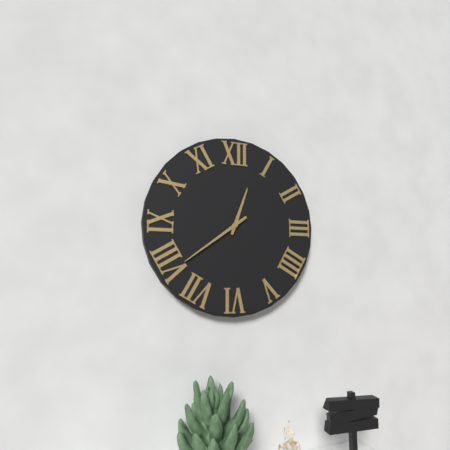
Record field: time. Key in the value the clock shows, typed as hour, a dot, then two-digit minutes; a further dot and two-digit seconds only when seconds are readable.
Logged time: 12.39
